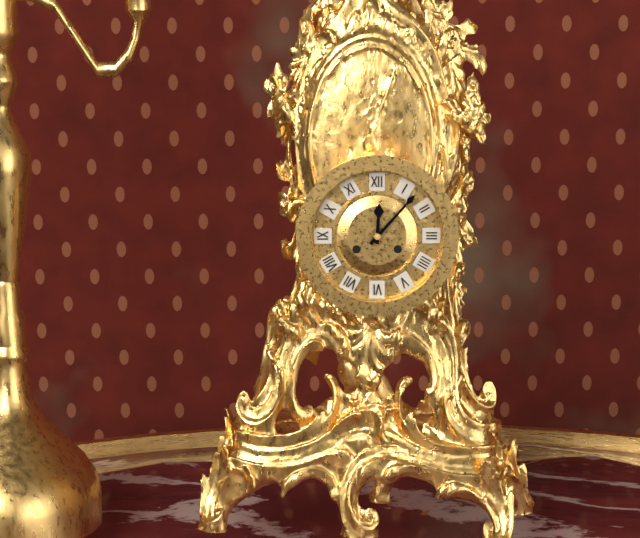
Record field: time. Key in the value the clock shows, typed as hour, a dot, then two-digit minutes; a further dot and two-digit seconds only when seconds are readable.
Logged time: 12.07
